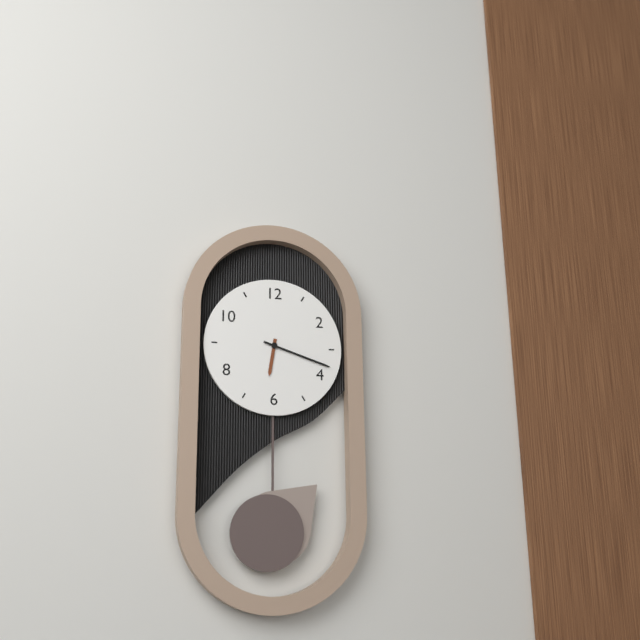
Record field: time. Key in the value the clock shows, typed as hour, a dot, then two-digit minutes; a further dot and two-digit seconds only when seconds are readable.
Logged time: 6.18
